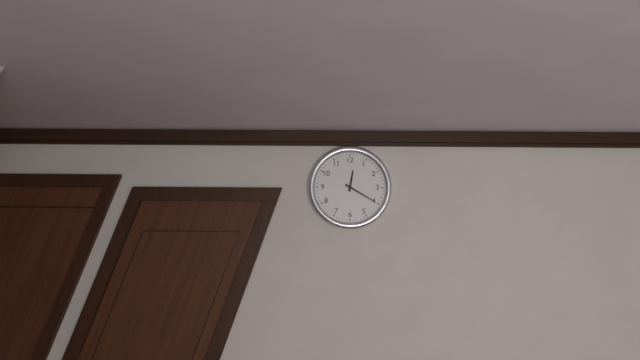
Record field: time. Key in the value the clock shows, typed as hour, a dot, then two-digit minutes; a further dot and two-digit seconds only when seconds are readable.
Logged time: 12.20
